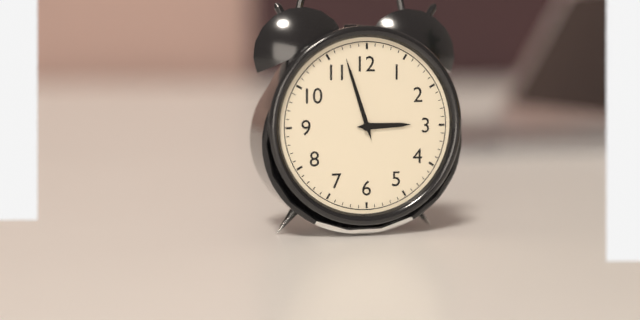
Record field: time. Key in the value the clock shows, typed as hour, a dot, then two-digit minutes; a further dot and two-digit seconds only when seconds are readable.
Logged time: 2.57
